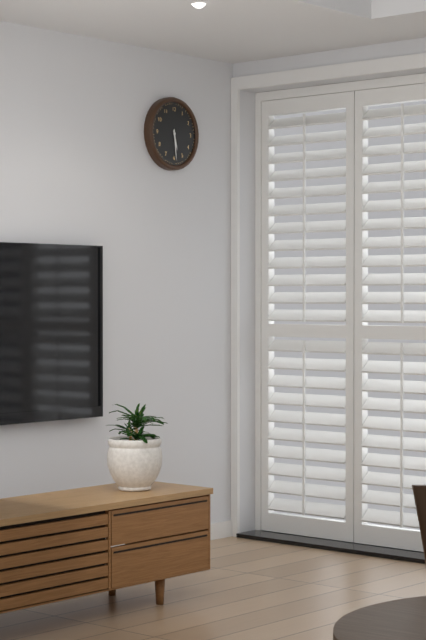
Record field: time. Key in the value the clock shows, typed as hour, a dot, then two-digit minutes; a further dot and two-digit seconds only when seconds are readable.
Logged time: 5.29
